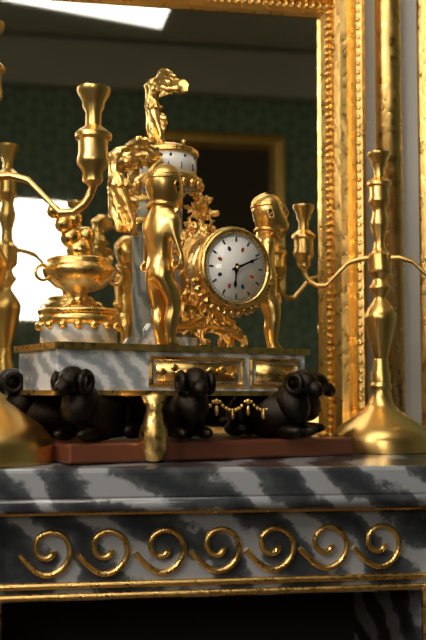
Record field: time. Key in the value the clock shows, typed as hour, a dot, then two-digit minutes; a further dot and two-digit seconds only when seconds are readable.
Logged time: 6.11
